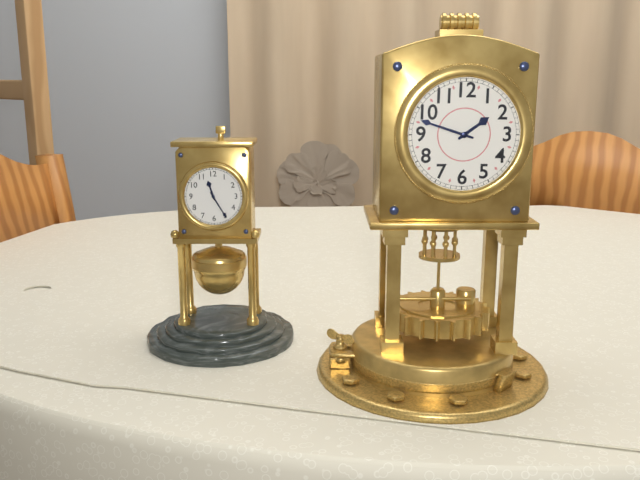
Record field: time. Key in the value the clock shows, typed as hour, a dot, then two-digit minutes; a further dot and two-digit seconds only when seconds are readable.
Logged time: 1.48
